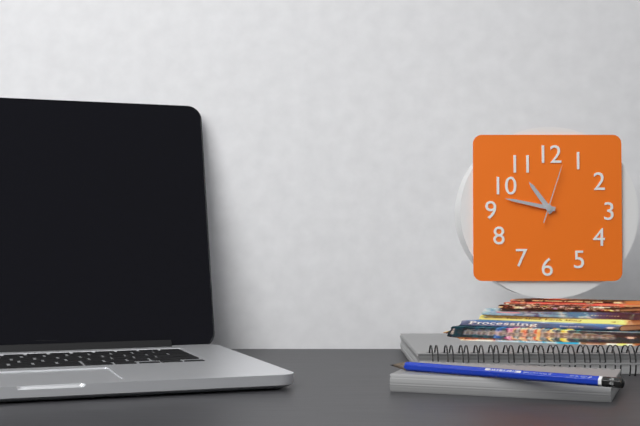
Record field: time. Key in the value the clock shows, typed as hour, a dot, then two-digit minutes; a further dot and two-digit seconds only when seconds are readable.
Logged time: 10.47.03
